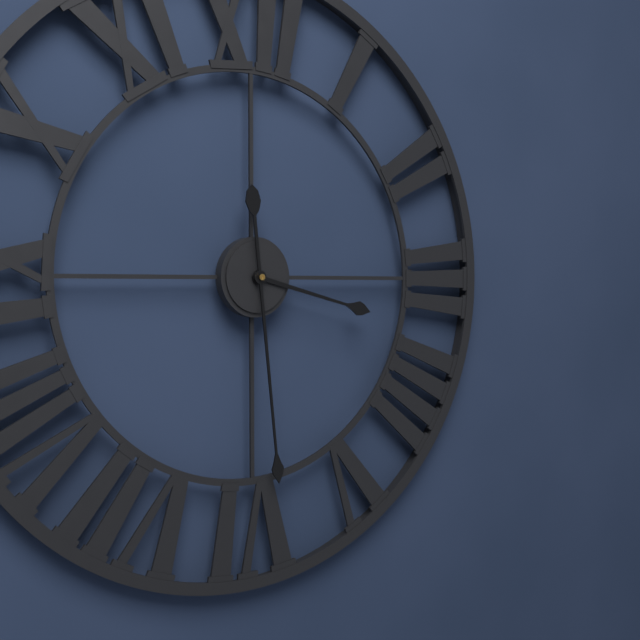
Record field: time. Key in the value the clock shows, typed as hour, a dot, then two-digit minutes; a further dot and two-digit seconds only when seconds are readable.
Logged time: 3.29
